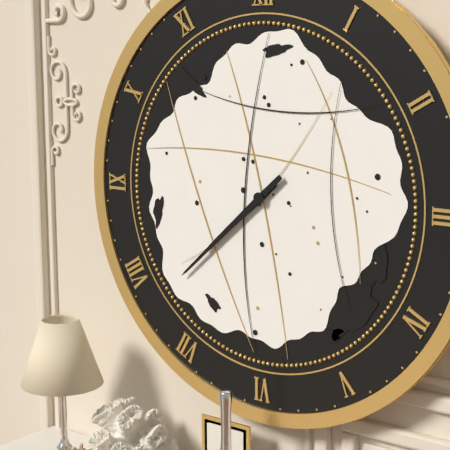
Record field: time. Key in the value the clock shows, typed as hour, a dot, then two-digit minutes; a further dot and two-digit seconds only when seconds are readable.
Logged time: 7.38
